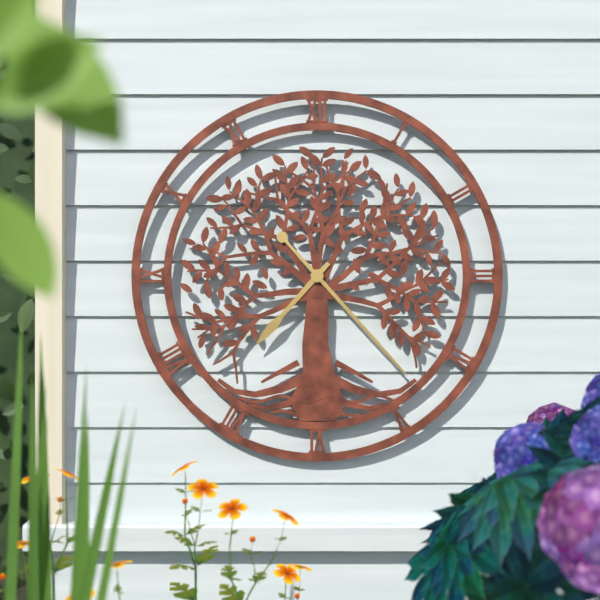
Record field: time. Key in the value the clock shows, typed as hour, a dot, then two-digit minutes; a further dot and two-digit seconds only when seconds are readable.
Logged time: 7.23
